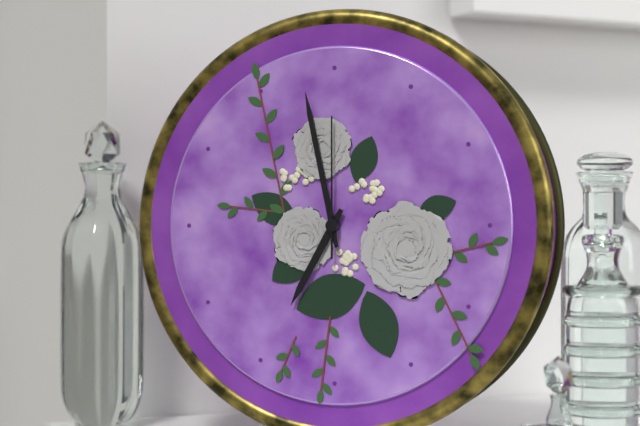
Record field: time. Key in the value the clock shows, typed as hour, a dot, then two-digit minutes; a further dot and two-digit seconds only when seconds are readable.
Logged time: 6.58.00
